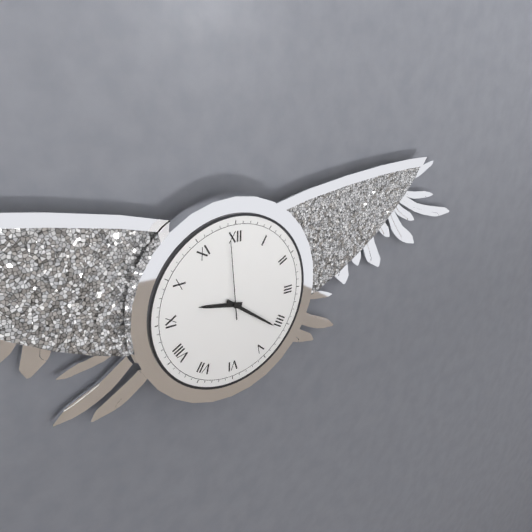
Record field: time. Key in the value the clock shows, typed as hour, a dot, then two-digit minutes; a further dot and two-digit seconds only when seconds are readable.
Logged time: 9.21.59
